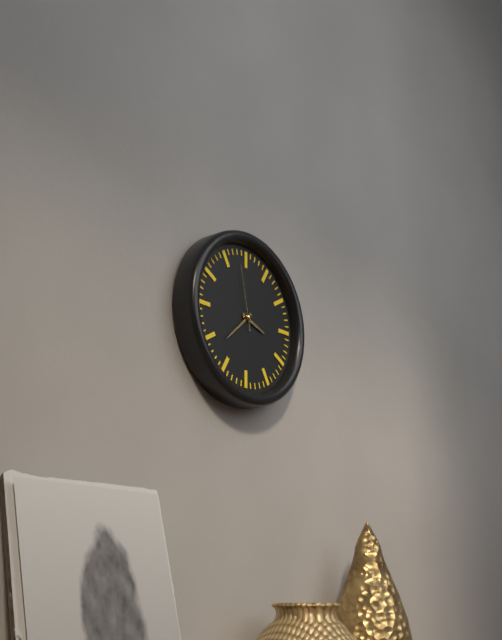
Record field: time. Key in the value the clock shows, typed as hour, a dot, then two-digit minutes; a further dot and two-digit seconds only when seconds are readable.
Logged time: 3.38.58
